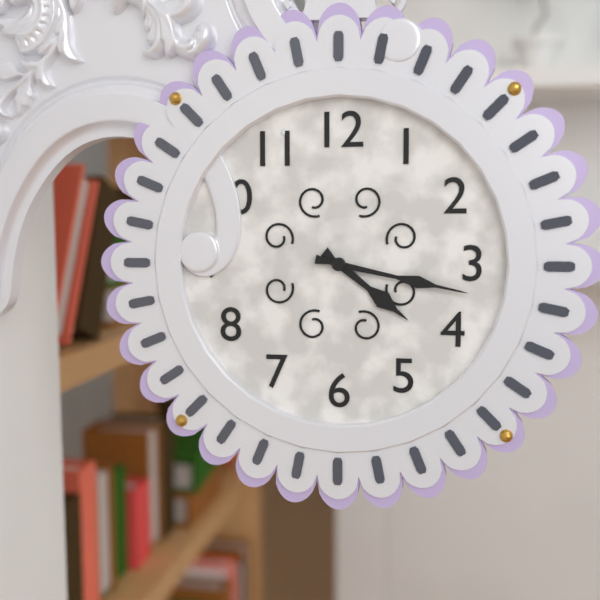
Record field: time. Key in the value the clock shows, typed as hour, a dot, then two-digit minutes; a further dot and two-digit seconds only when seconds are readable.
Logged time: 4.17
